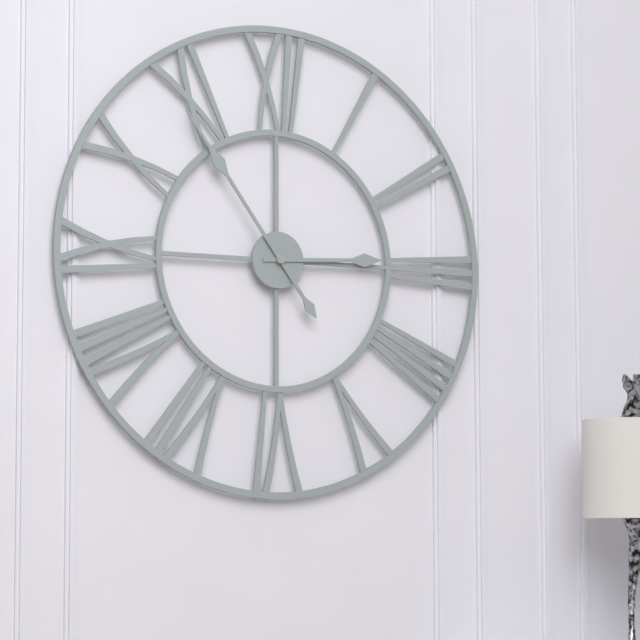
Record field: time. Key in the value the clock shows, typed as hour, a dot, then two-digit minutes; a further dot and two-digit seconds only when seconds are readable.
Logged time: 2.54
